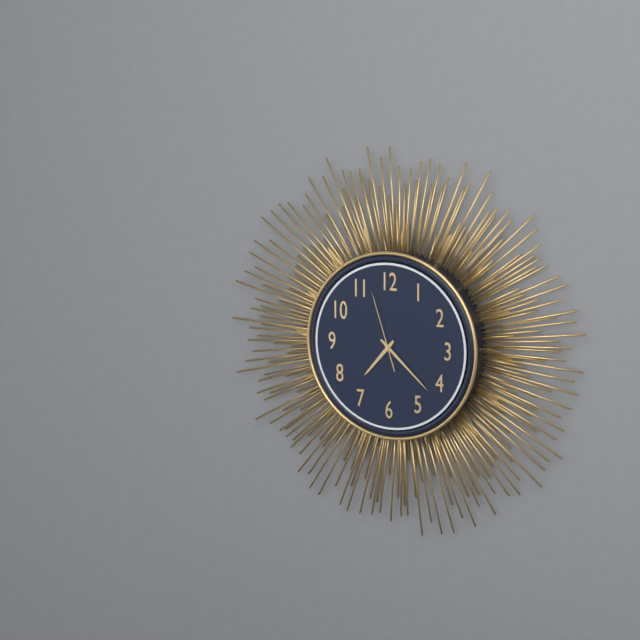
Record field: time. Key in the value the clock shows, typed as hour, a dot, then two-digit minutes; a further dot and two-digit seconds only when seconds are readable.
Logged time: 7.22.57
